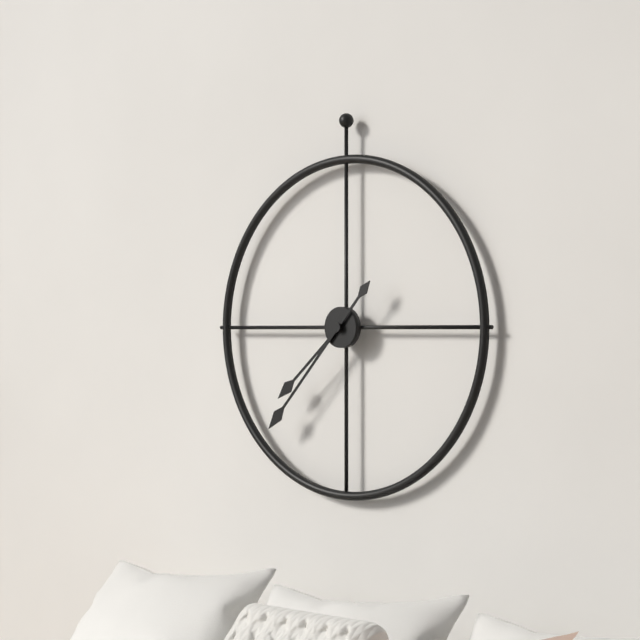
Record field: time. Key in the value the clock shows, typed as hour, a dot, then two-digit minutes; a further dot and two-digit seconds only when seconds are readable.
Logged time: 7.37
